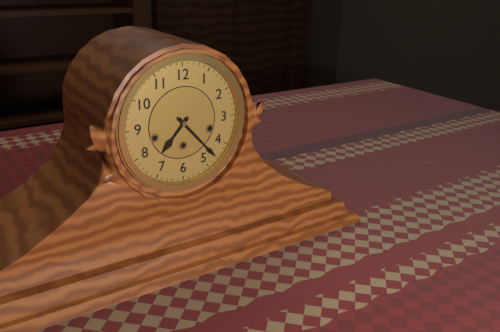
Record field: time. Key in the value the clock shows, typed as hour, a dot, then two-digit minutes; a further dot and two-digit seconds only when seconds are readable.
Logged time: 7.23
